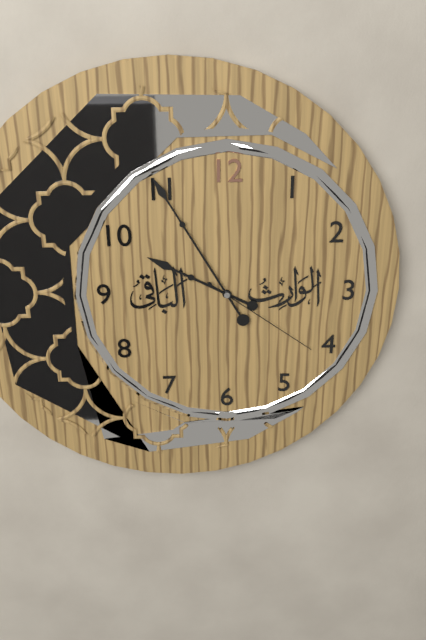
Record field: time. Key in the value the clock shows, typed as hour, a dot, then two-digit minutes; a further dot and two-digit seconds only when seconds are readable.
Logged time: 9.55.21
